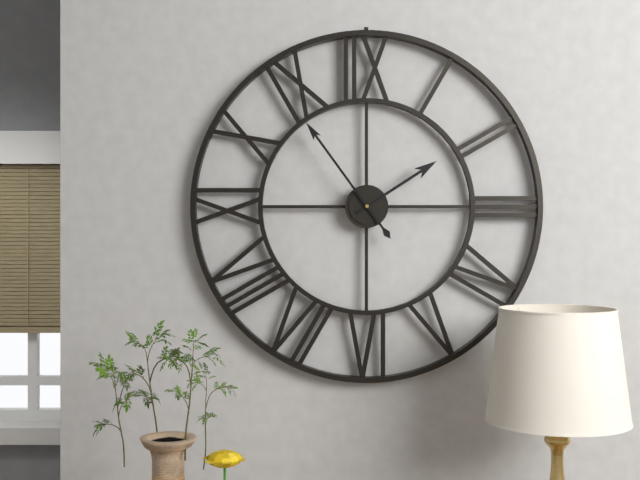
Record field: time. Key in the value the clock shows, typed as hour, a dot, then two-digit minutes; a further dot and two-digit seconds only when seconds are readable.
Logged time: 1.54
